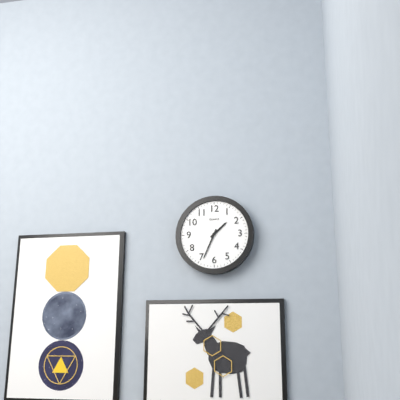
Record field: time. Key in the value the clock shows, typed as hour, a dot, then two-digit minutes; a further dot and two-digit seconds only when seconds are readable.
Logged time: 1.34
